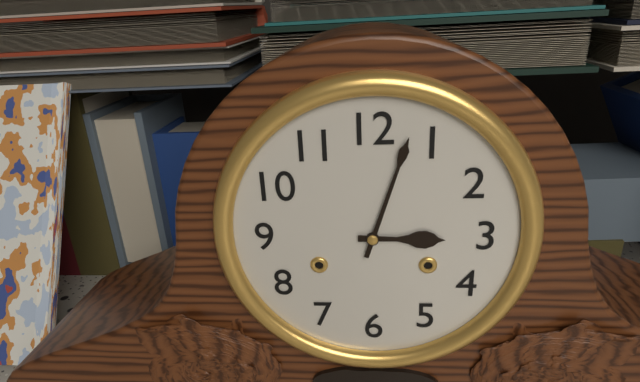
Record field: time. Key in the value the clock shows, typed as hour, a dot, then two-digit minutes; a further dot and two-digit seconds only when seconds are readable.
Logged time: 3.03
